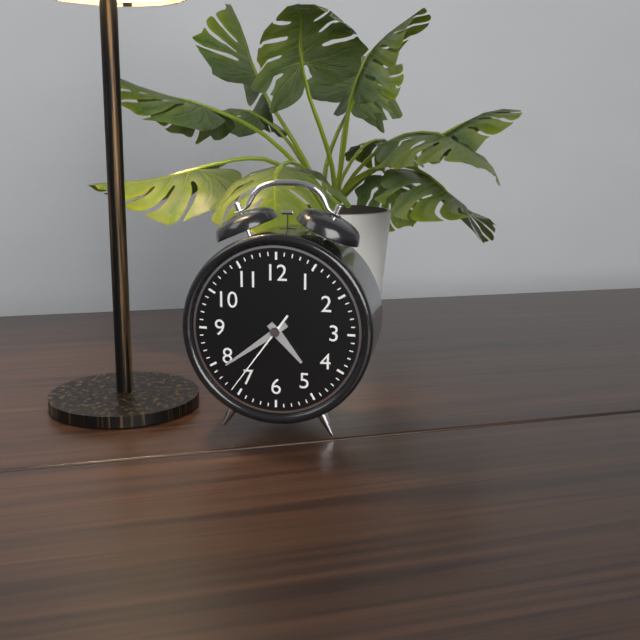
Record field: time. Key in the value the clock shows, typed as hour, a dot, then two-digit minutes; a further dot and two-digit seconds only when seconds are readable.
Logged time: 4.39.36
